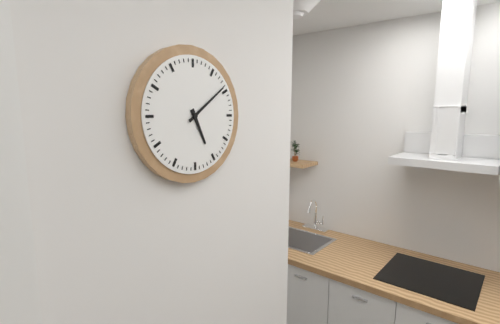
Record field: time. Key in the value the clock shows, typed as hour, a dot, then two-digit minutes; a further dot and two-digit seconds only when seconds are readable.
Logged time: 5.09
